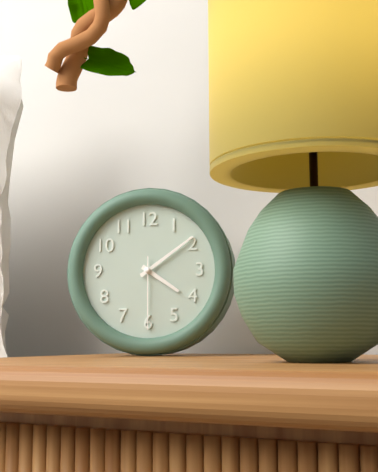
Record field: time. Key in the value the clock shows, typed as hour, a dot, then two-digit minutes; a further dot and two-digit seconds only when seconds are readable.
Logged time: 4.09.30
